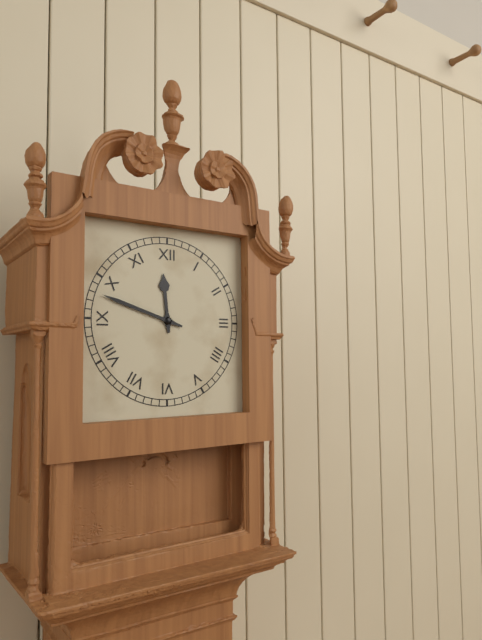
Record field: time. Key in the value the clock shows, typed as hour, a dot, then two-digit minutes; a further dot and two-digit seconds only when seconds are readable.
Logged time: 11.48
